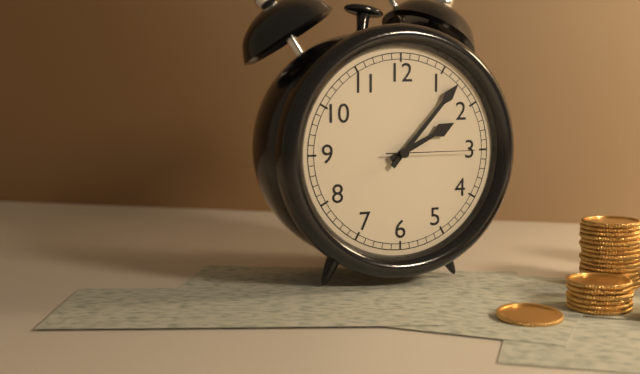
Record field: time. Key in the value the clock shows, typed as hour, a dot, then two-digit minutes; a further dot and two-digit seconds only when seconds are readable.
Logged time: 2.07.15
